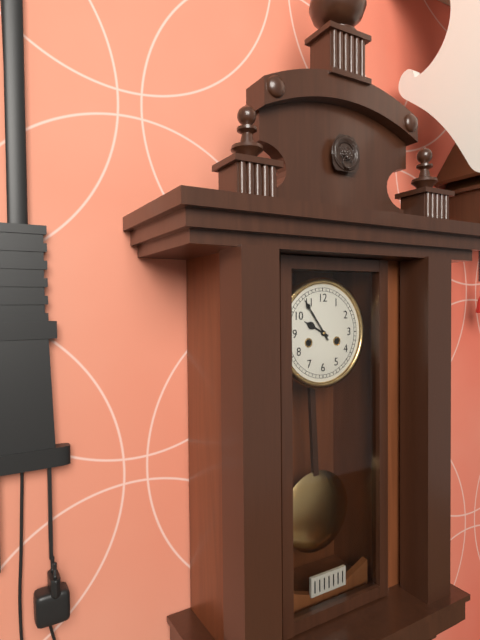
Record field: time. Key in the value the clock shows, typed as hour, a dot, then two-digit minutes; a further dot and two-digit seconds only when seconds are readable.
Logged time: 9.54
